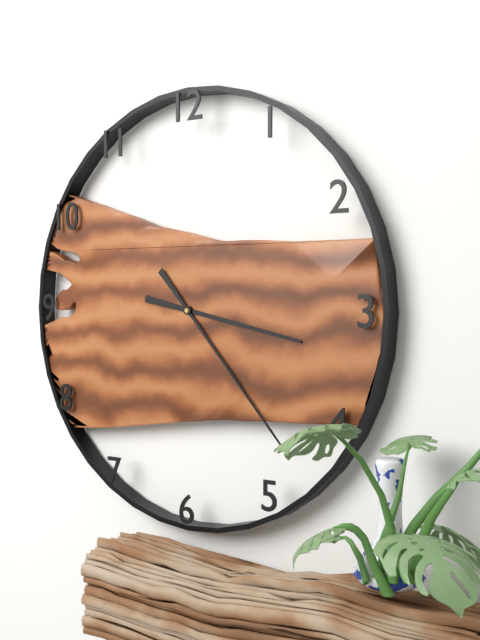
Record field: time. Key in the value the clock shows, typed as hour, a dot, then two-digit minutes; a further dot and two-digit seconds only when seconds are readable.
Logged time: 3.23
